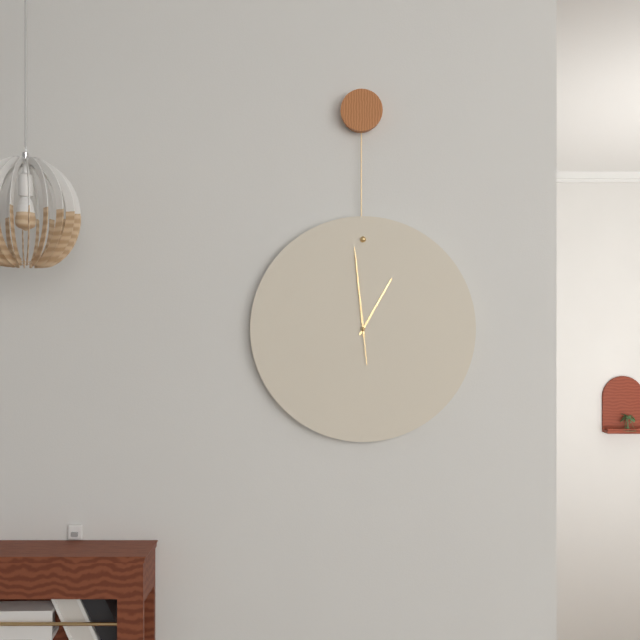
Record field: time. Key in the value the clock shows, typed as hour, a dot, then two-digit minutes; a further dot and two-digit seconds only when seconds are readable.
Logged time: 12.59.59
